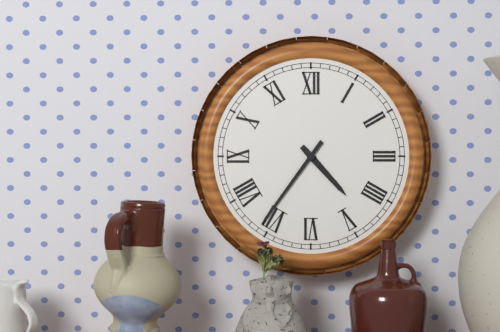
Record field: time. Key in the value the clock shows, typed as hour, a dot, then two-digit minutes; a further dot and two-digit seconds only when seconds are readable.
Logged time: 4.36
